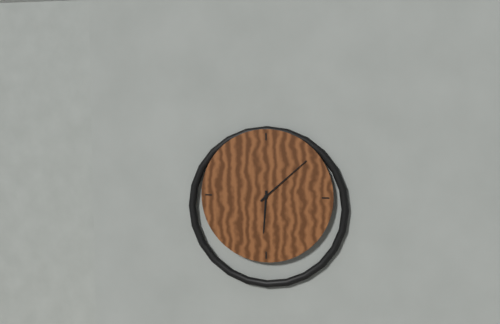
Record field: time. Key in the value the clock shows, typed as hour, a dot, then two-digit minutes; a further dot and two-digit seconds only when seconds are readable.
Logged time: 6.08
